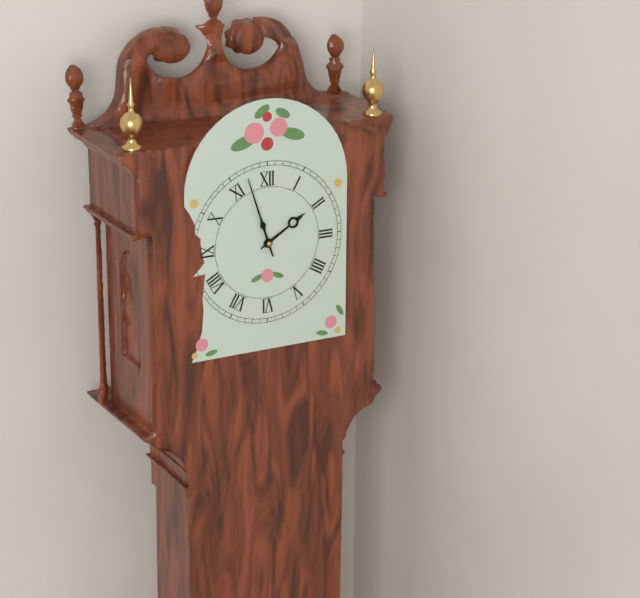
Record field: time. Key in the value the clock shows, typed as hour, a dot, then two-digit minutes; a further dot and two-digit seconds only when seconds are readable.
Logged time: 1.57
